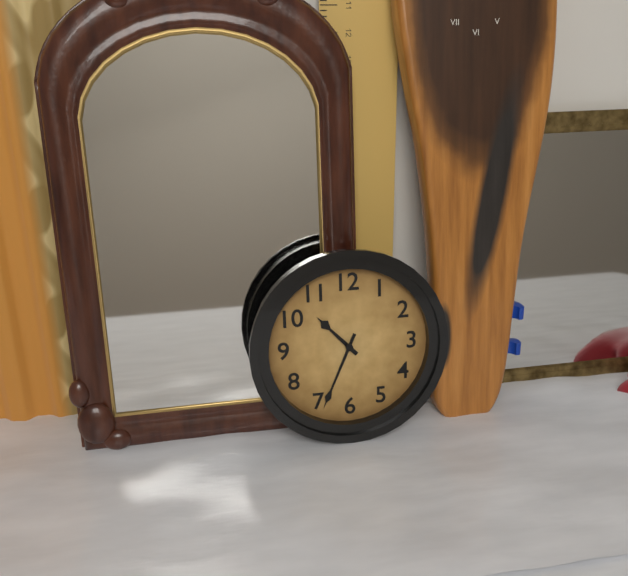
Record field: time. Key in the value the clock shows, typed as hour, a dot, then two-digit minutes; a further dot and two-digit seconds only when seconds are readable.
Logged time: 10.34
